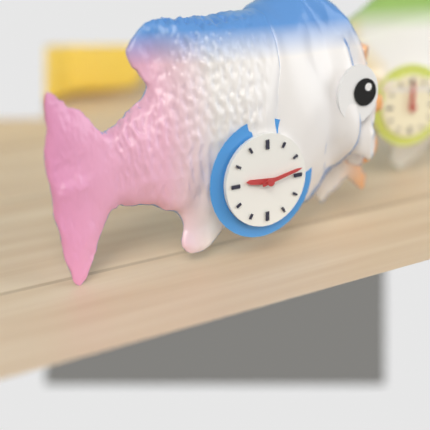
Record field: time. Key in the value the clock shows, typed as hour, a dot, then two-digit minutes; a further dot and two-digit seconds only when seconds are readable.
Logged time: 9.13
